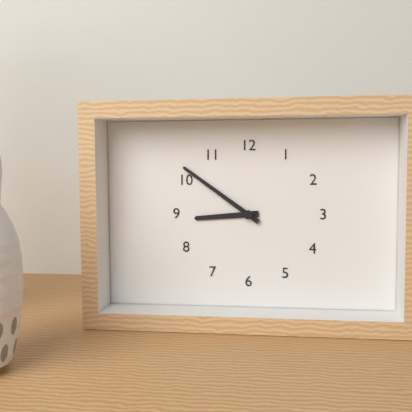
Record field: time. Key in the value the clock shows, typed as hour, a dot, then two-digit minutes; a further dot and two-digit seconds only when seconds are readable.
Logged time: 8.51
